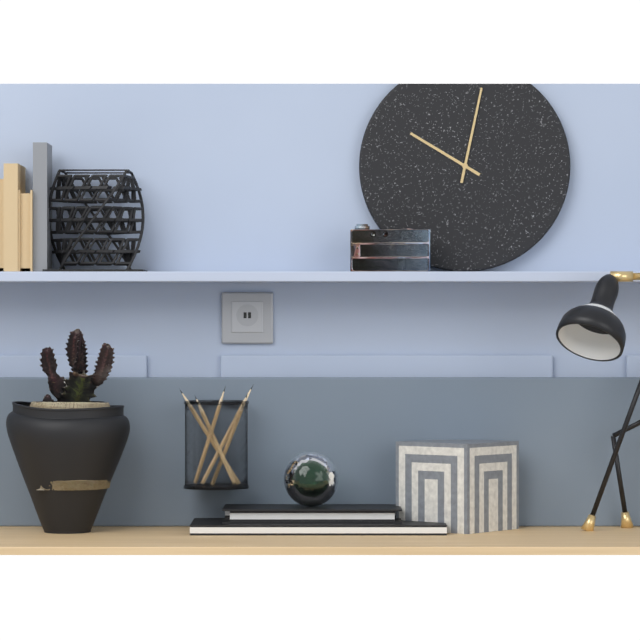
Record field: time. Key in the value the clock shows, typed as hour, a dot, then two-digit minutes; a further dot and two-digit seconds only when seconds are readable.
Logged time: 10.02
